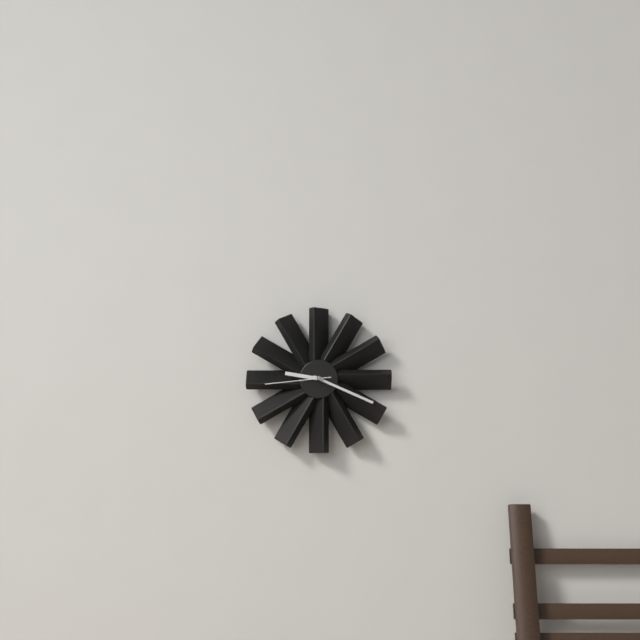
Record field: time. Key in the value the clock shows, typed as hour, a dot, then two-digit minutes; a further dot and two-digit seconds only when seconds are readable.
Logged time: 9.19.44
